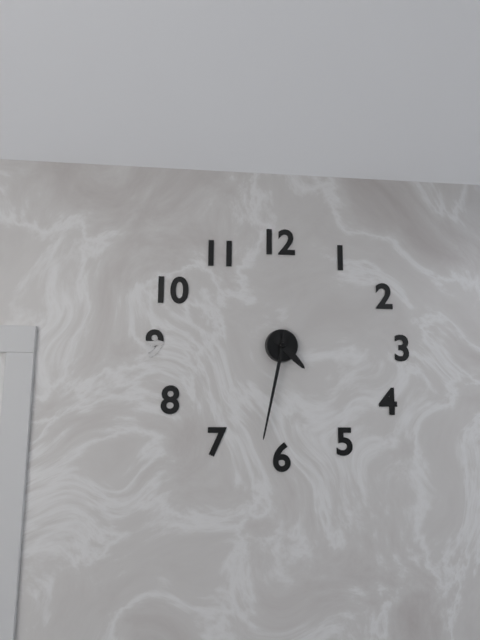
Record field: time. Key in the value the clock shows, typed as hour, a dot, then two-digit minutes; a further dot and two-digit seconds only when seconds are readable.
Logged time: 4.32
